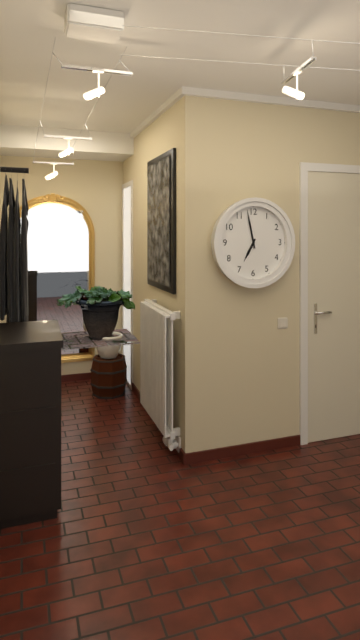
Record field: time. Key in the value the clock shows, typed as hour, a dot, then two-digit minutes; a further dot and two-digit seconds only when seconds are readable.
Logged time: 6.58
